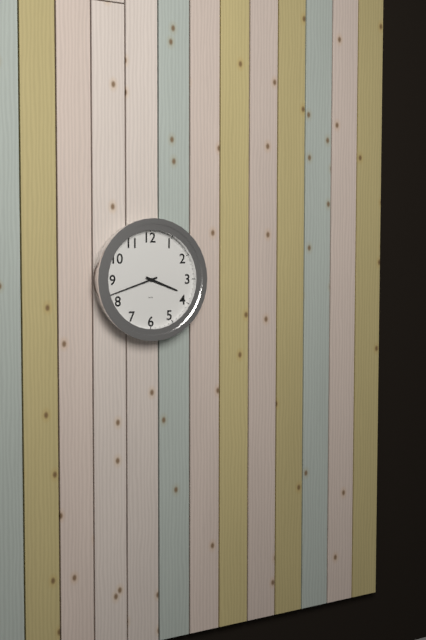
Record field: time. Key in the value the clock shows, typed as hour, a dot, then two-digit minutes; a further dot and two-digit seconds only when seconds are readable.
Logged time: 3.42
